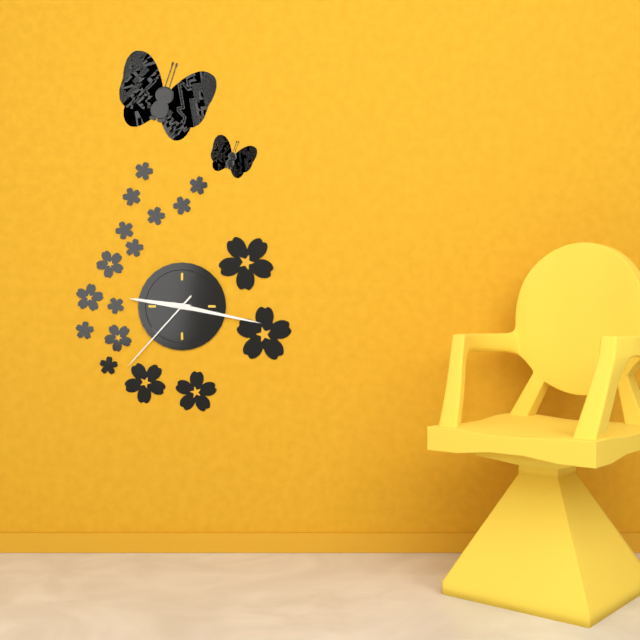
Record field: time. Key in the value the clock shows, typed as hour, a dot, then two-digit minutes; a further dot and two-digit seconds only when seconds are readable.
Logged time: 9.17.37
